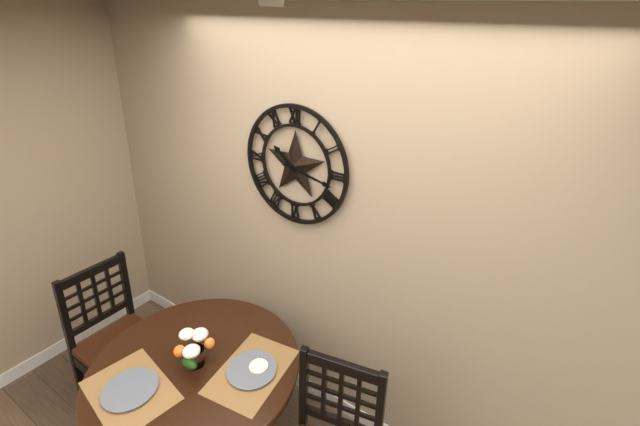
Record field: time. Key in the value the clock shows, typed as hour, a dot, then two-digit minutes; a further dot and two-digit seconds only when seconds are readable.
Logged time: 10.17
